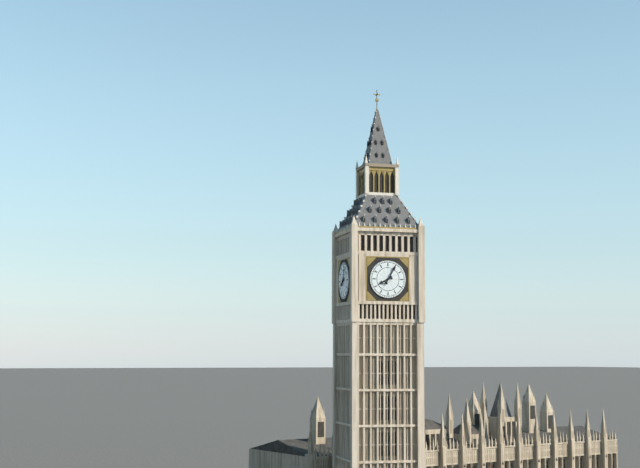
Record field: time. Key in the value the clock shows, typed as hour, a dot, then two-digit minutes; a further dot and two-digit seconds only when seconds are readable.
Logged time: 8.05
